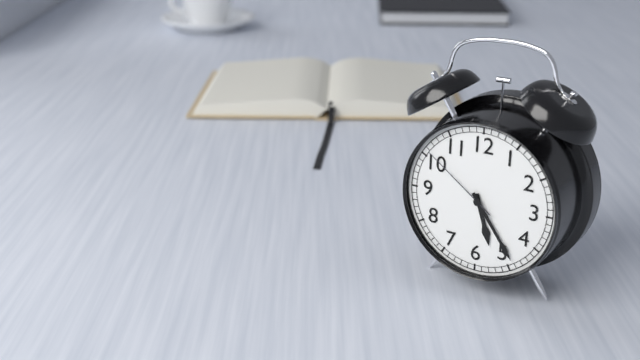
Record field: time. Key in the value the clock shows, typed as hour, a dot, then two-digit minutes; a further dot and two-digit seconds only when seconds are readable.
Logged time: 5.24.51
